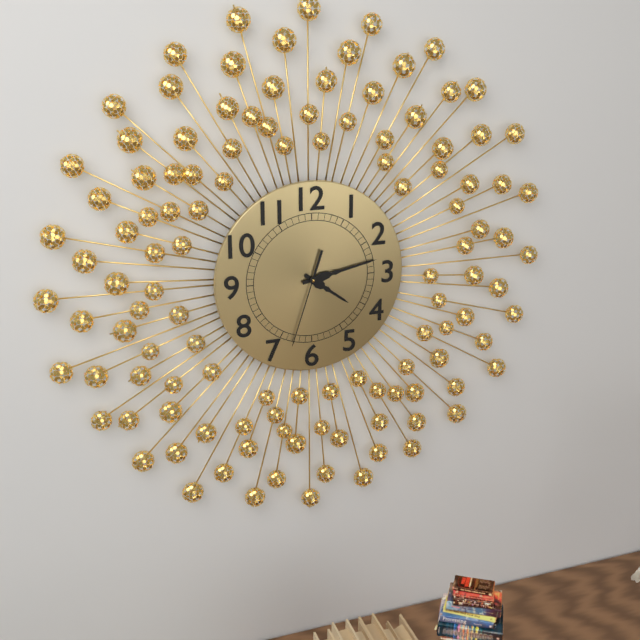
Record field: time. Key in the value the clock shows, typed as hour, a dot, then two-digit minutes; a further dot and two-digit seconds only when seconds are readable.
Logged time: 4.13.33
